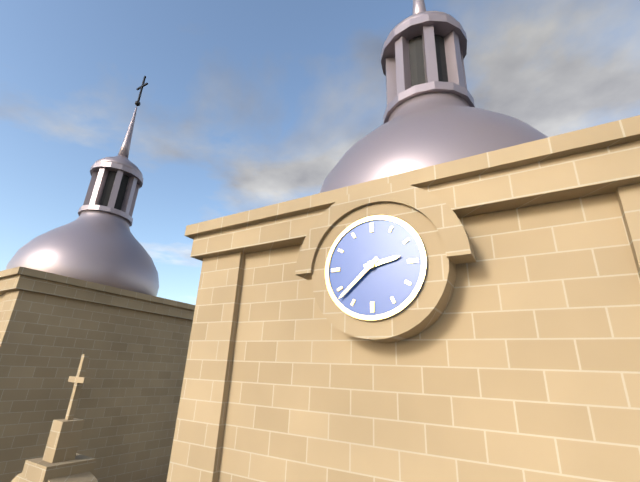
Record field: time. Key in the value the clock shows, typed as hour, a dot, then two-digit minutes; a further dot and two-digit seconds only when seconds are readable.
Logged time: 2.38
